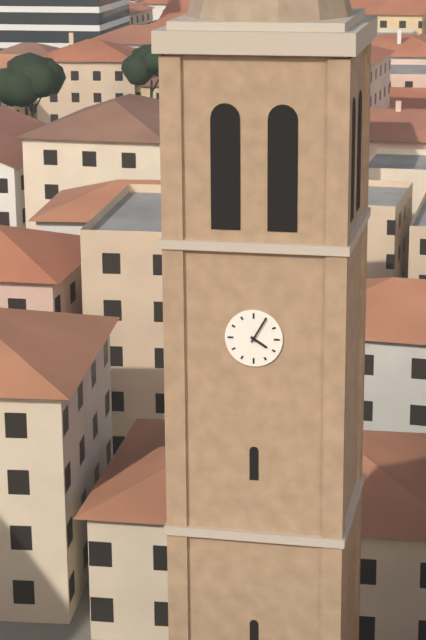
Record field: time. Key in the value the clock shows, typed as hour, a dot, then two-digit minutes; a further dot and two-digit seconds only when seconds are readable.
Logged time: 4.05
